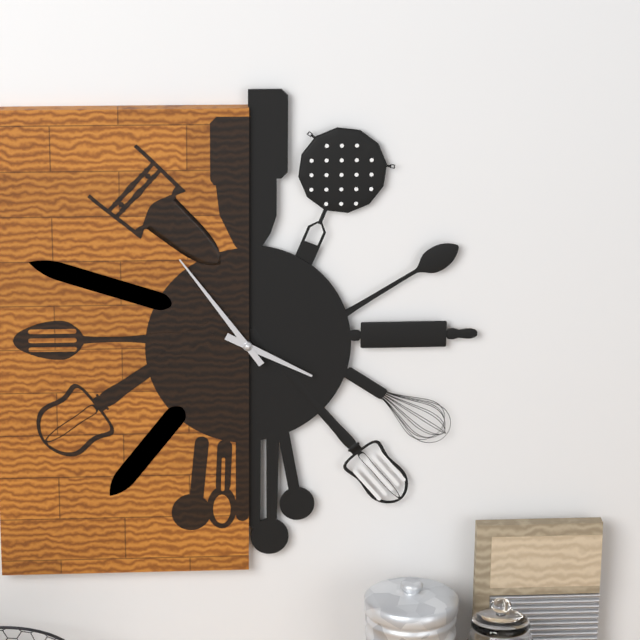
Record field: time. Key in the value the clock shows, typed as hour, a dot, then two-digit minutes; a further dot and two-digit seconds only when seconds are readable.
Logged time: 3.54
